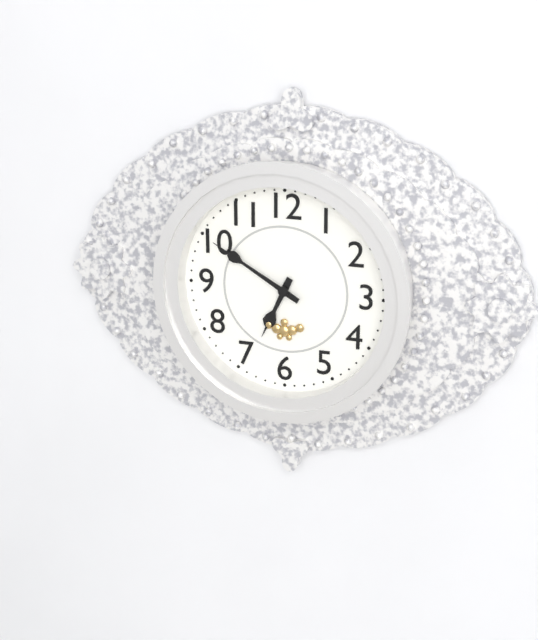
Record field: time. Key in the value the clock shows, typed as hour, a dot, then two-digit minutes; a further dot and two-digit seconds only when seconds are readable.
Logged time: 6.50
